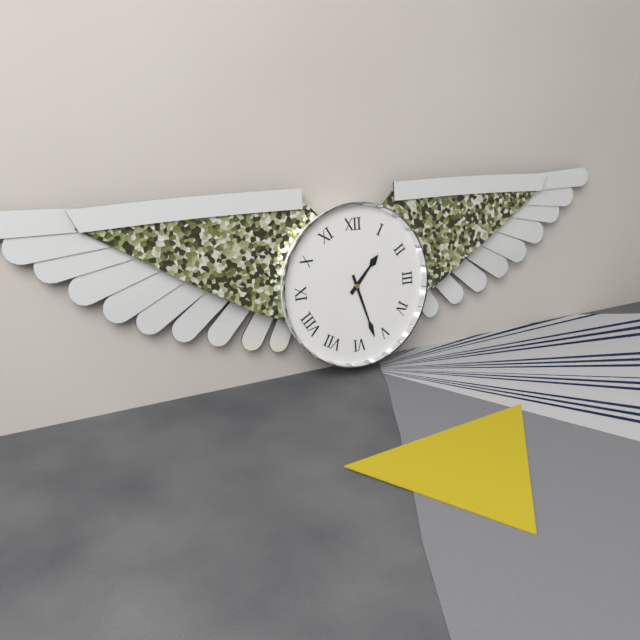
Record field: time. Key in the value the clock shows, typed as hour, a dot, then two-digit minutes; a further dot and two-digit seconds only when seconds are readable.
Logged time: 1.27
